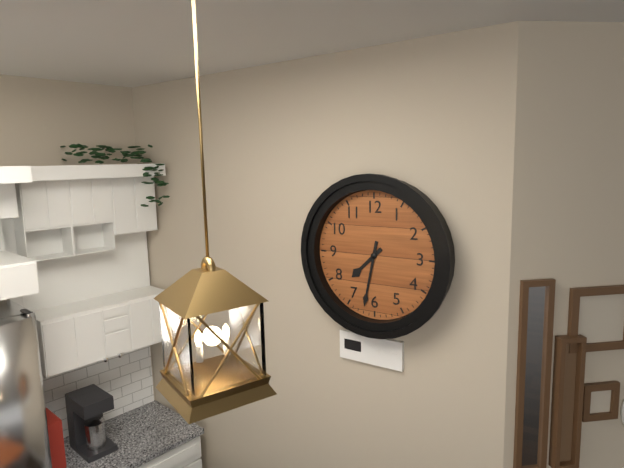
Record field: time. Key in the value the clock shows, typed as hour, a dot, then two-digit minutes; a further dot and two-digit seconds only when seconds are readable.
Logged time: 7.32
